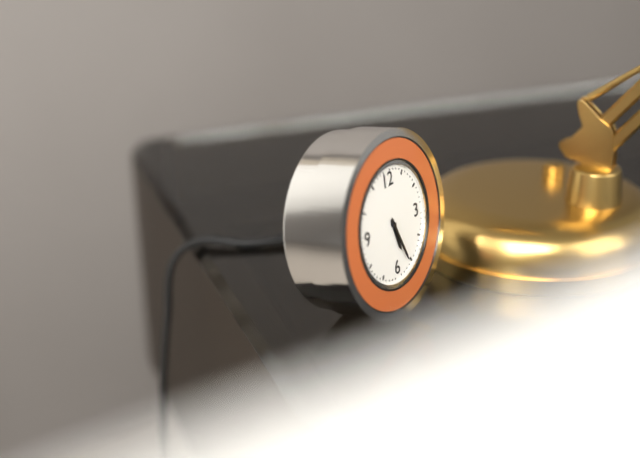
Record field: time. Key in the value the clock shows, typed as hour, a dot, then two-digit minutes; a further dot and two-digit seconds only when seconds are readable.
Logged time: 5.26
